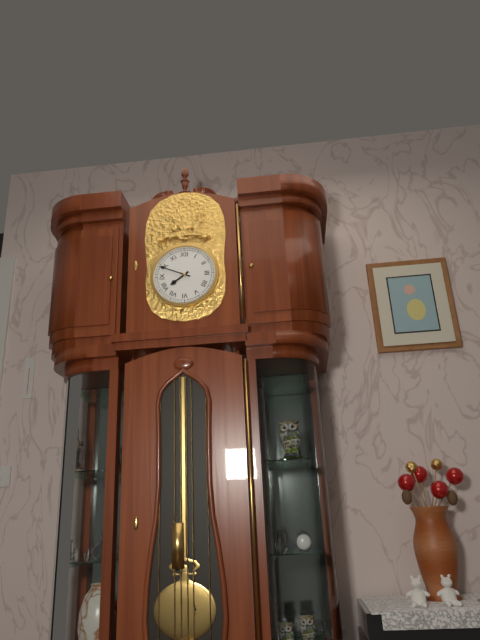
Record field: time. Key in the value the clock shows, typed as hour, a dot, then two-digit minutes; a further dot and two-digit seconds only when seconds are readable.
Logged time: 7.49
